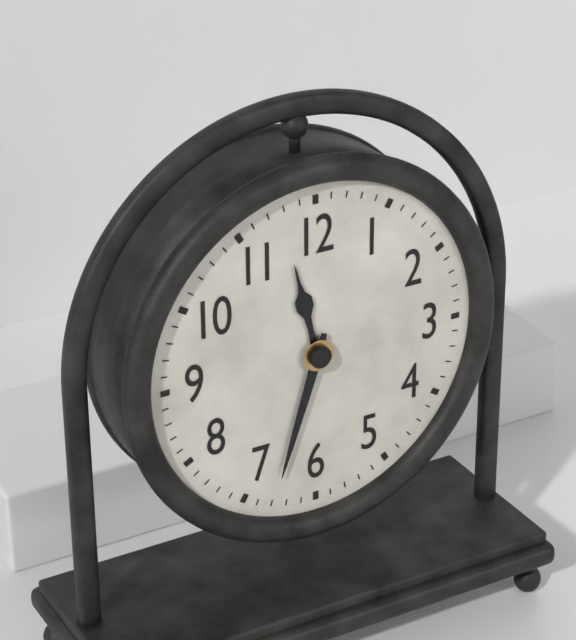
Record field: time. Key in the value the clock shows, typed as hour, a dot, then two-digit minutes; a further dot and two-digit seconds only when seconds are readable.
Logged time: 11.33
